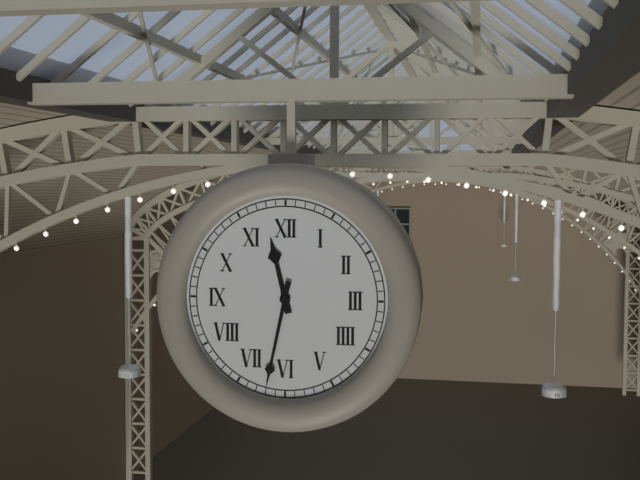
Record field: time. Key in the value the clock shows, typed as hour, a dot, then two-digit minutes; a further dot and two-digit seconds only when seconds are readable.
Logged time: 11.32
